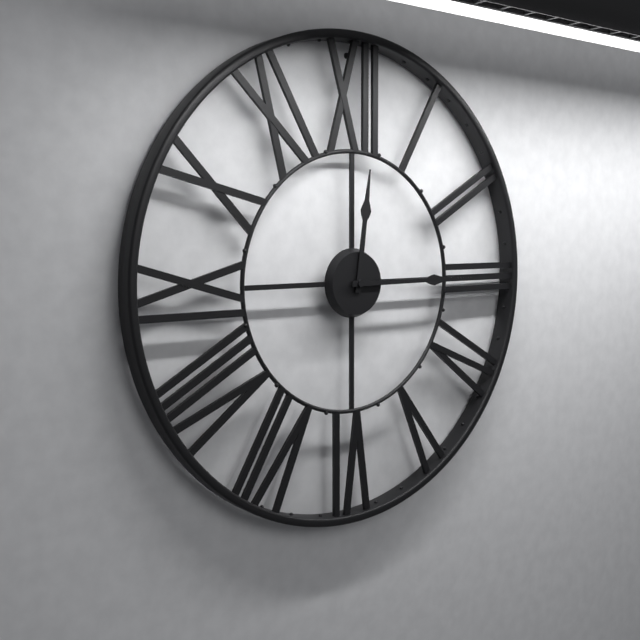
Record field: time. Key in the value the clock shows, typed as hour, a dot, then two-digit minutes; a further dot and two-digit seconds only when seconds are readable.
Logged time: 12.15
